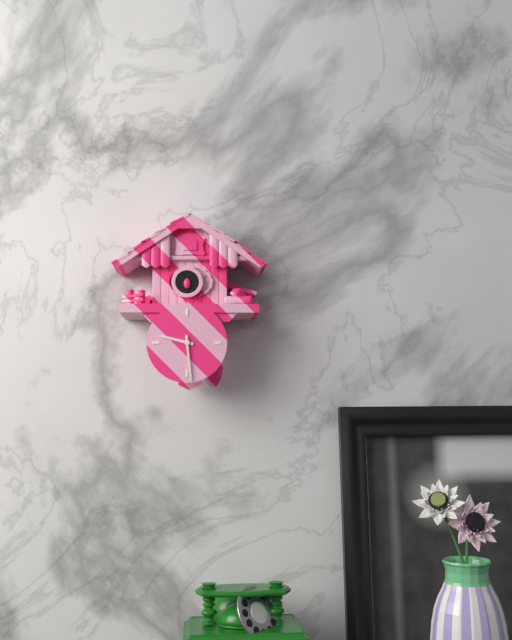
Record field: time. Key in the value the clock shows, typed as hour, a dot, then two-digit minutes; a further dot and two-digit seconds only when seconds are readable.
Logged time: 9.29
